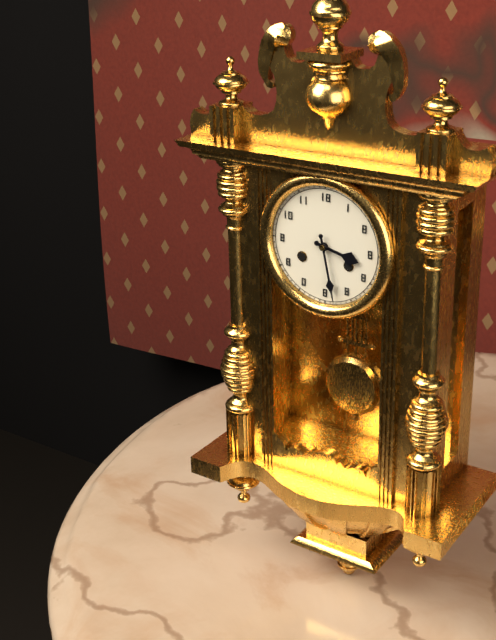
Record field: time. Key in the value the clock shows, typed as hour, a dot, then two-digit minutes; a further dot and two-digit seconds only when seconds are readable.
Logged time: 3.28
